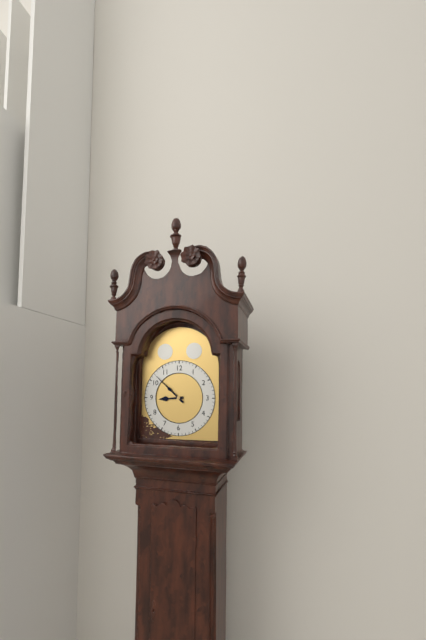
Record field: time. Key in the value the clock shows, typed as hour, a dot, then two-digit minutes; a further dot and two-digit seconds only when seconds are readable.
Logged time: 8.52
